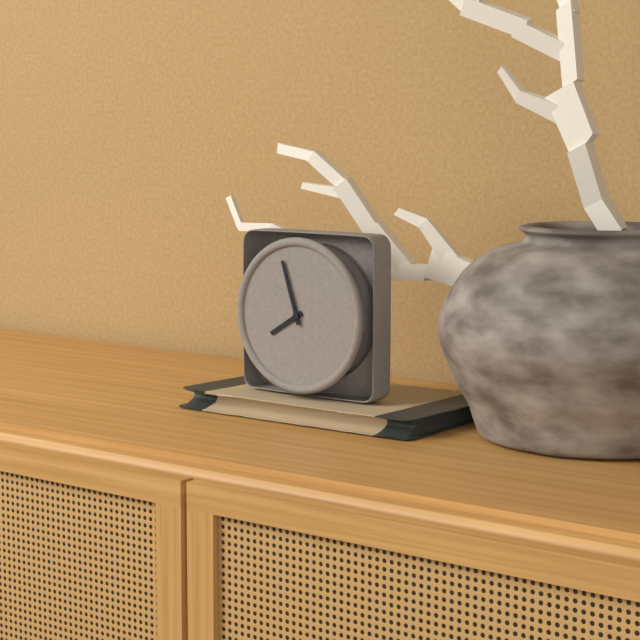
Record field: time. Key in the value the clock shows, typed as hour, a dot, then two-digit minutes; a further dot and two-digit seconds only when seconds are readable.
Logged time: 7.57
